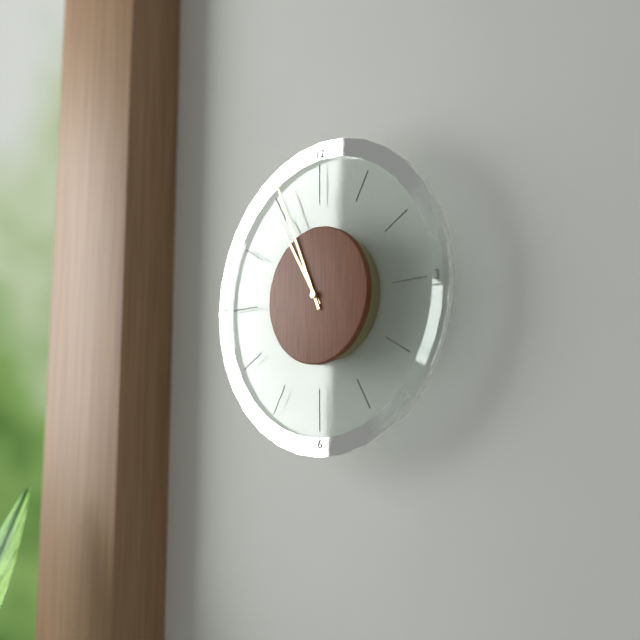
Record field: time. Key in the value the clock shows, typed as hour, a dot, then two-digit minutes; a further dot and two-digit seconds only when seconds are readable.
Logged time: 10.56
